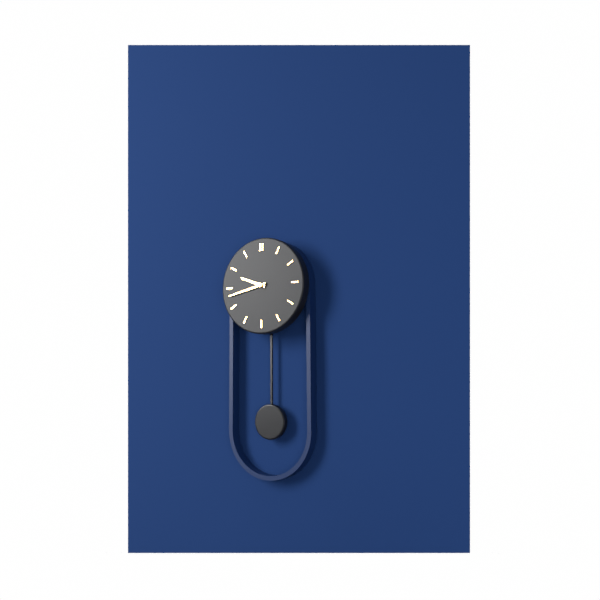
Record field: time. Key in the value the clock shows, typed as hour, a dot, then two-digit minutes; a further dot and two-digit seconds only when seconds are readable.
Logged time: 9.43
